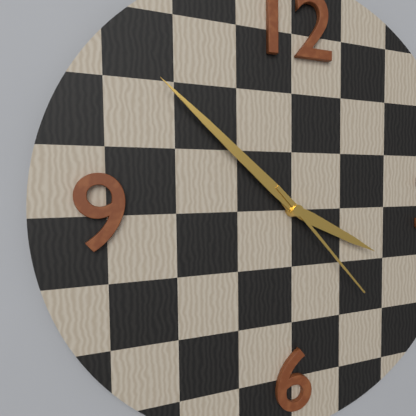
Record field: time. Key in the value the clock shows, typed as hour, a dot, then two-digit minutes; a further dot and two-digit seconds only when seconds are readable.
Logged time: 3.52.23
